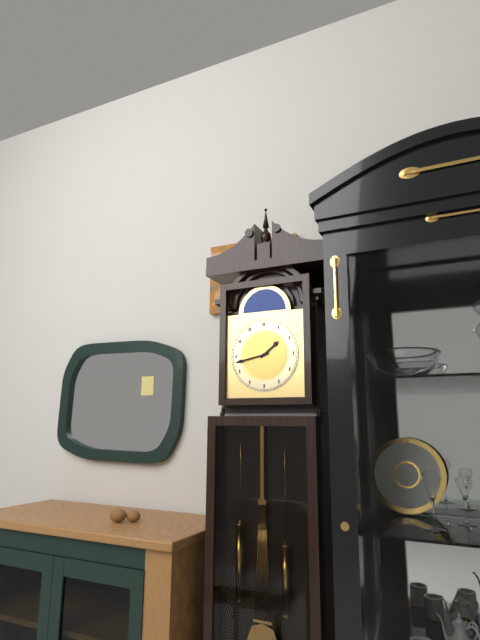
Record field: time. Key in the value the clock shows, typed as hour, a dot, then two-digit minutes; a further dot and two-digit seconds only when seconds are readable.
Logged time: 1.43
